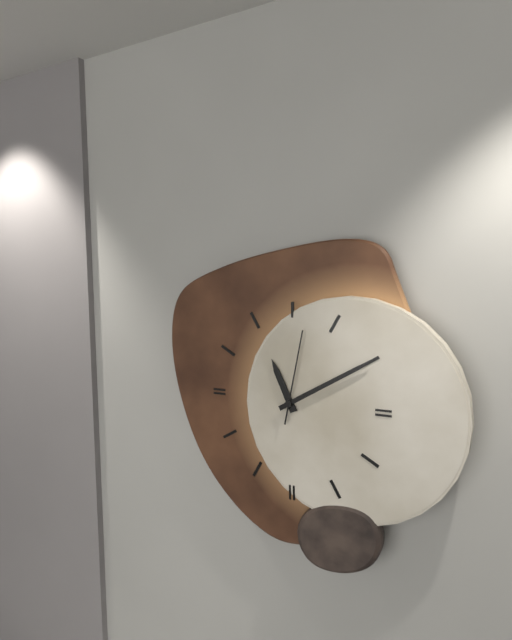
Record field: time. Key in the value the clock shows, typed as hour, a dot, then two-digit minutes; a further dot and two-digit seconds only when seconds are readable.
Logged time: 11.10.02
